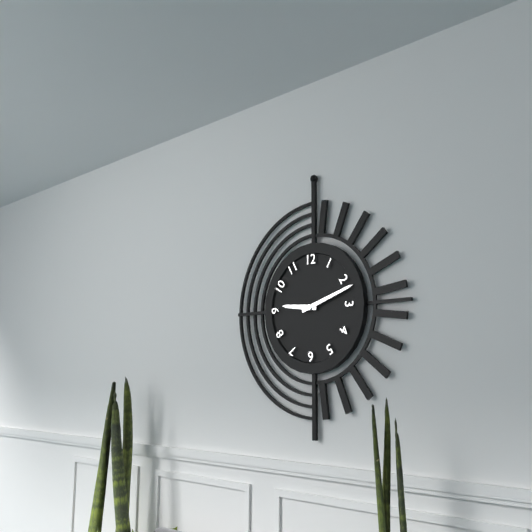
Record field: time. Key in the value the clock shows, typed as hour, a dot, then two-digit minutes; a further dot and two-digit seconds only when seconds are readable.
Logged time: 9.12
